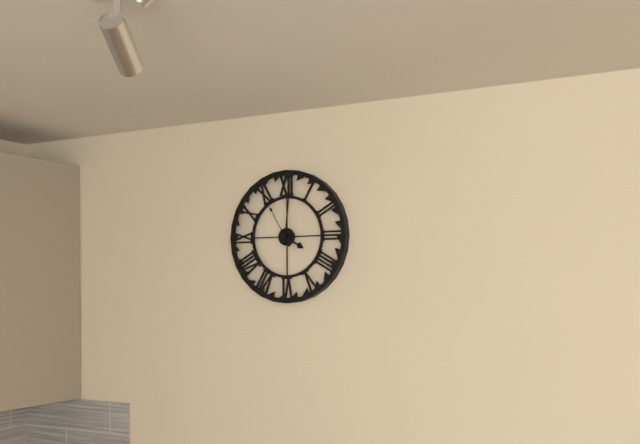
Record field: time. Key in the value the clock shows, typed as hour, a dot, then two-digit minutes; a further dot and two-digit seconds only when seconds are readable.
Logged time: 4.01
